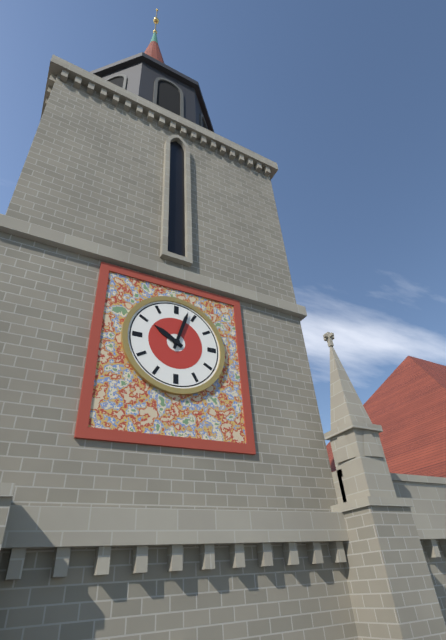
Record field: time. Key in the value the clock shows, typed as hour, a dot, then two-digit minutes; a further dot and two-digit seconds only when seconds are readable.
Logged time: 10.03
